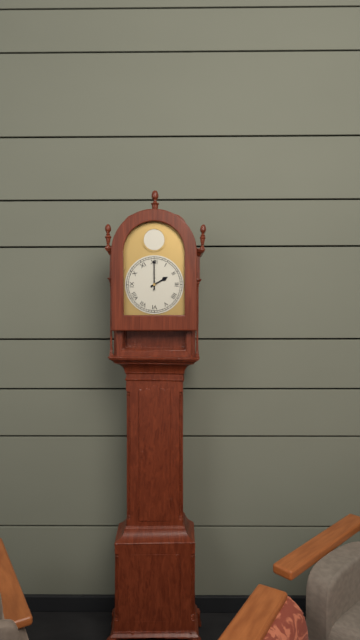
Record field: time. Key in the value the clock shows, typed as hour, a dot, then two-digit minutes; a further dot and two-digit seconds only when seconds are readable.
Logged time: 2.00
